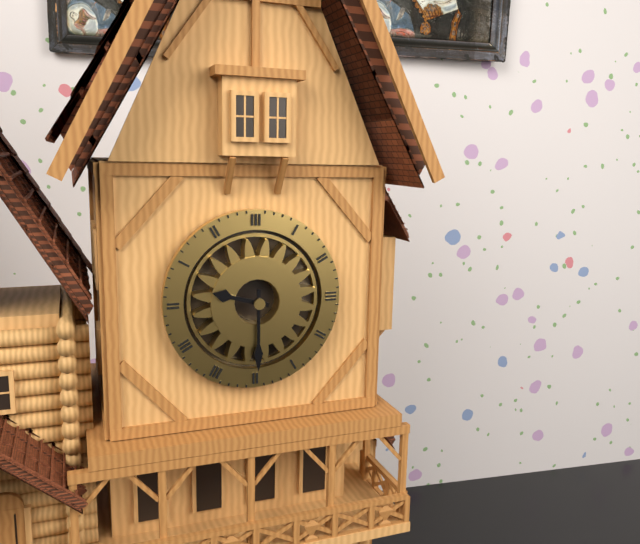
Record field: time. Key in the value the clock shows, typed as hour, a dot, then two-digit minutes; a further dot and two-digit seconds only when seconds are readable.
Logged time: 9.30
